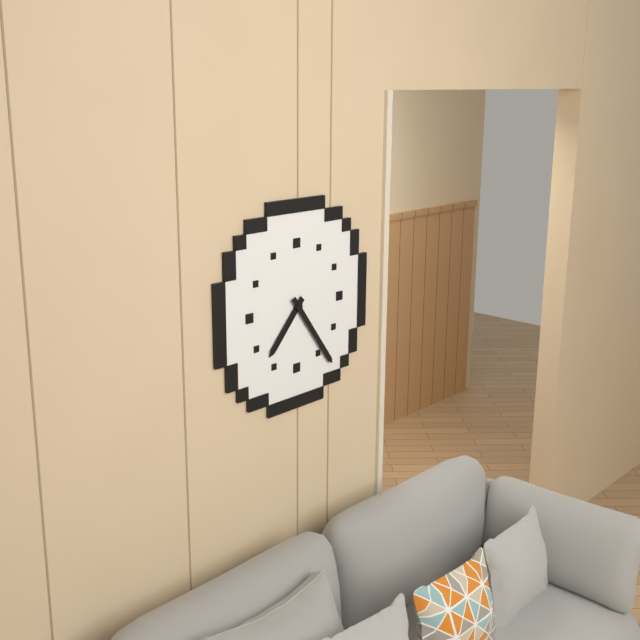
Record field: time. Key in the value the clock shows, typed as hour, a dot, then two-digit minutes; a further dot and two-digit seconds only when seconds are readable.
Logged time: 7.24
